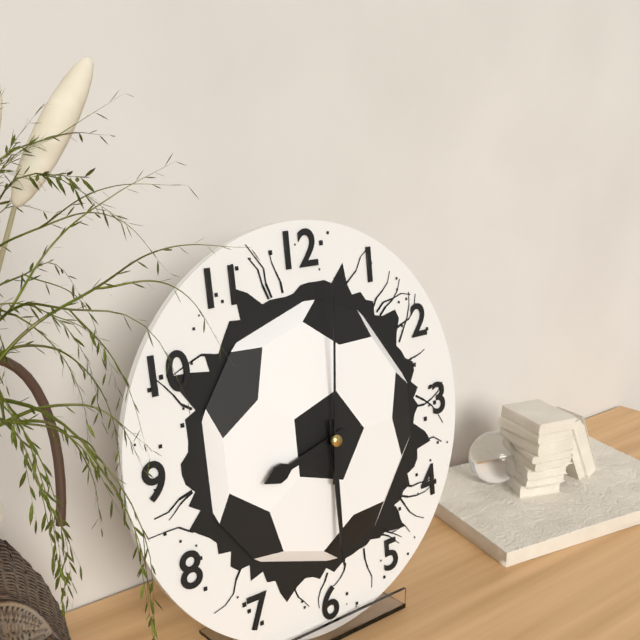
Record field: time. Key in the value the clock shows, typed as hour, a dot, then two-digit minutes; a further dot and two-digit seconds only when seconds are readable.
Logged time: 8.30.01
